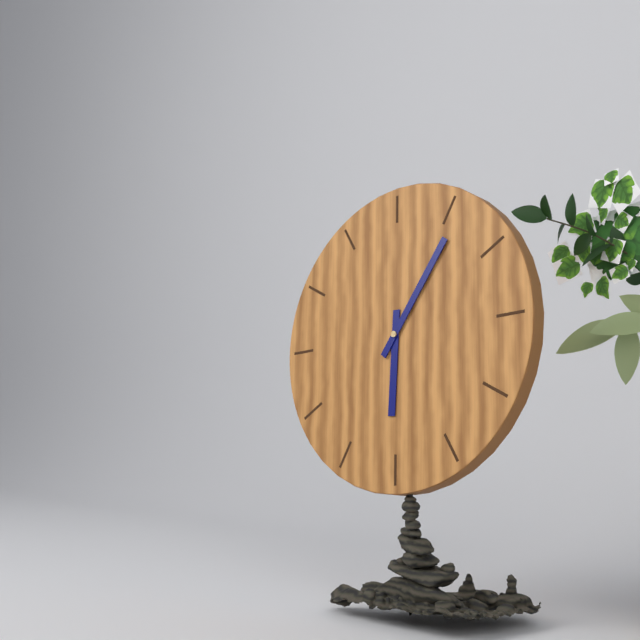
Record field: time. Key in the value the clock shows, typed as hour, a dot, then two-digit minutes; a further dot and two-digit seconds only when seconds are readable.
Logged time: 6.06
